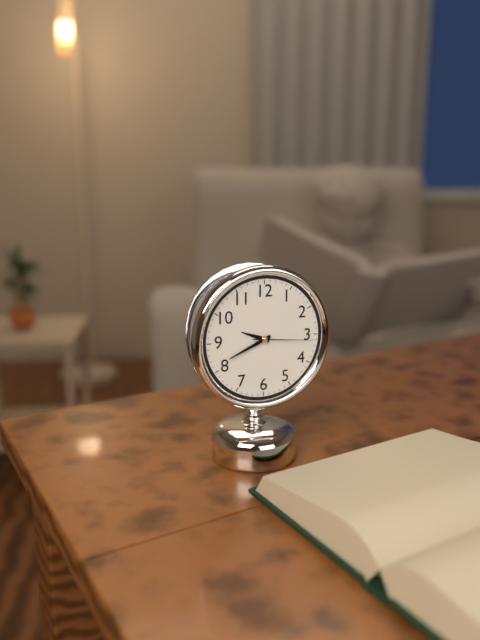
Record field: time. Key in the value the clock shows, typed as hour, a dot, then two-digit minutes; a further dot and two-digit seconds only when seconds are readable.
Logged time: 9.41.16
